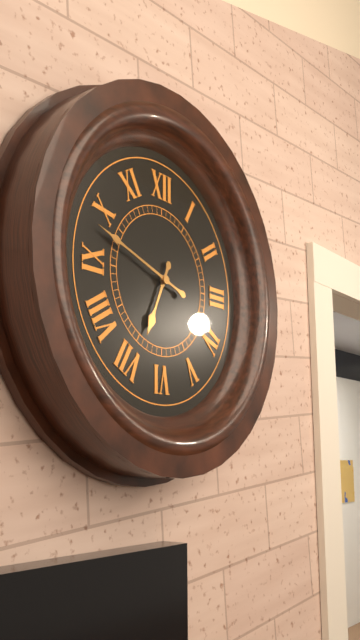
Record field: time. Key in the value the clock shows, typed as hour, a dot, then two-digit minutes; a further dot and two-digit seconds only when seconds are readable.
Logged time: 6.48
